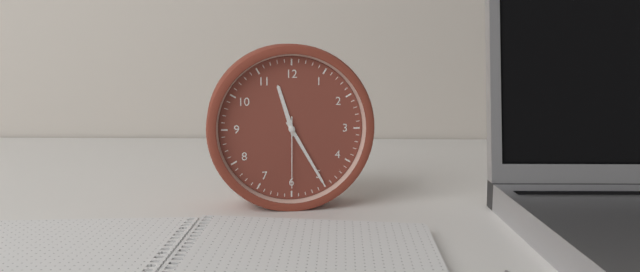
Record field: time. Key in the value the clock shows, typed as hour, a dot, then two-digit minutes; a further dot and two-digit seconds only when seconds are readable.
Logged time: 11.25.30
